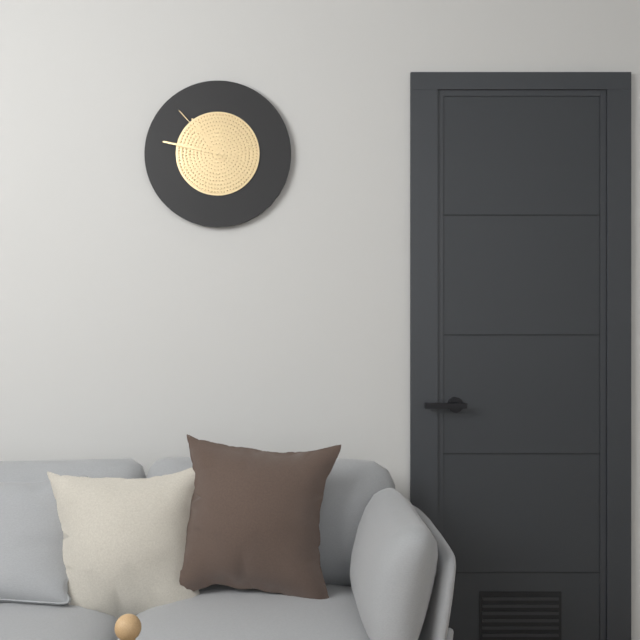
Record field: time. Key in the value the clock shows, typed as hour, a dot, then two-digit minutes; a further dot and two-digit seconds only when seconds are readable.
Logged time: 10.47.53
